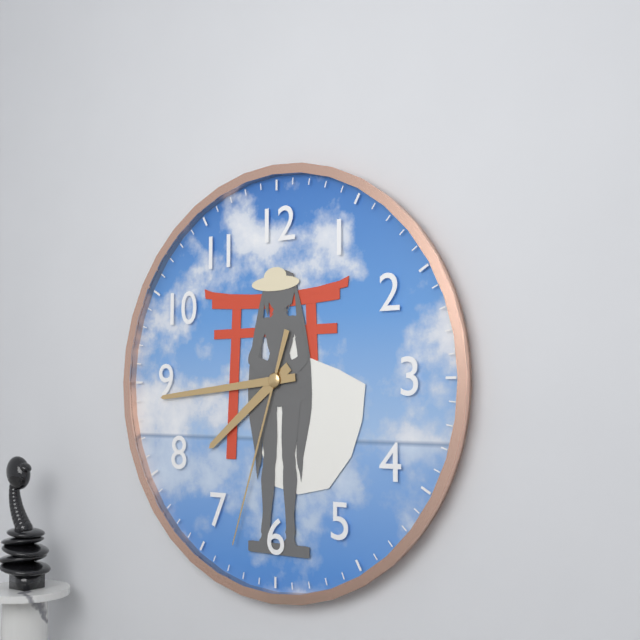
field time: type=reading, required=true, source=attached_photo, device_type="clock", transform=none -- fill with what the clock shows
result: 7:44:33
